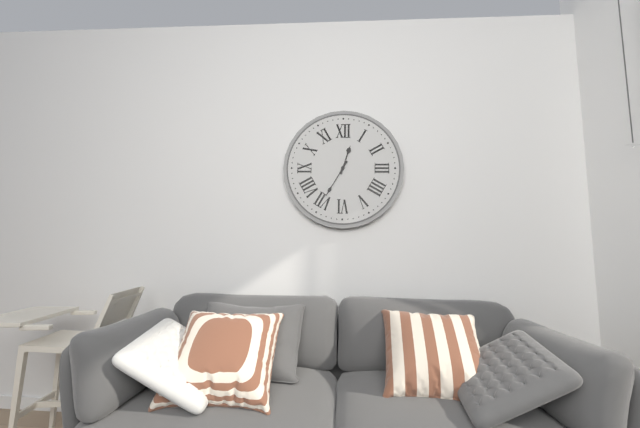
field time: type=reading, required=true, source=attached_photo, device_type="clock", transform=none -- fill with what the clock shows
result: 12:35
